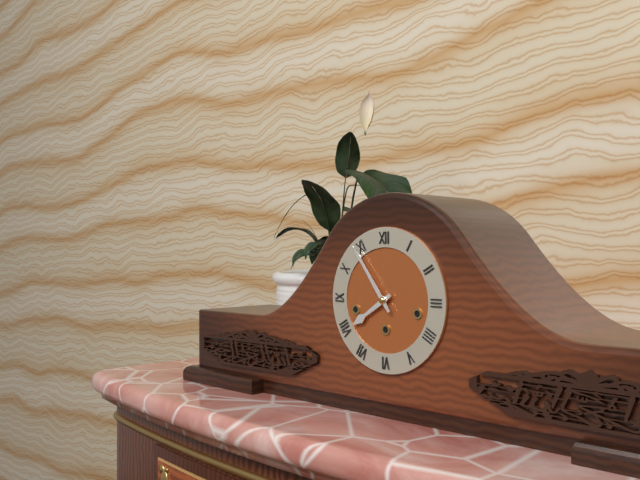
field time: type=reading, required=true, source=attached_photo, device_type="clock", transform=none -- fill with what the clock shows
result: 7:54
